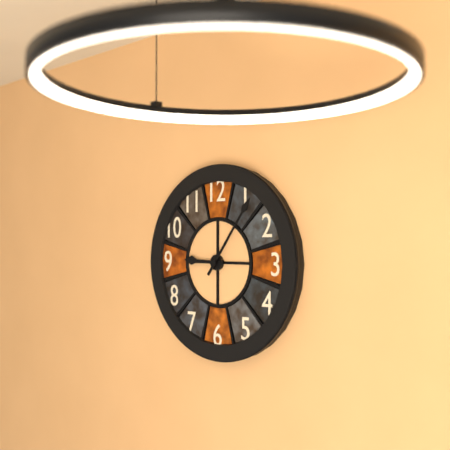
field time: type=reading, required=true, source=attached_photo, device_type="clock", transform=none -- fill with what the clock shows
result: 9:06
